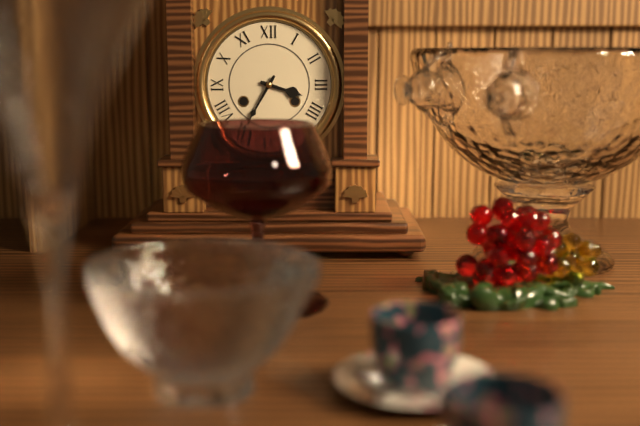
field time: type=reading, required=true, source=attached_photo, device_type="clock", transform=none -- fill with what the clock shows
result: 3:35
